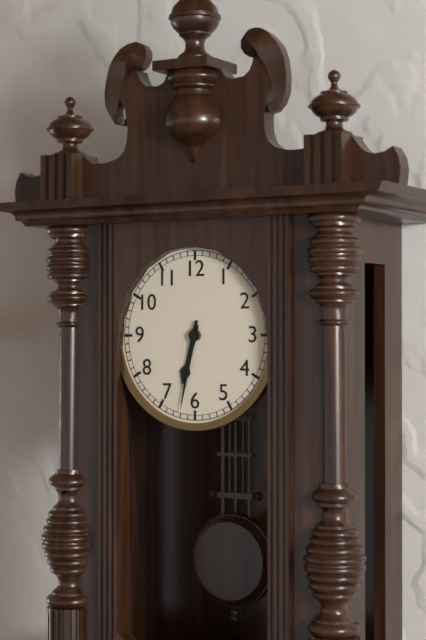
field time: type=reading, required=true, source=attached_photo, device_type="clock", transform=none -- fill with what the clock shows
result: 6:32
